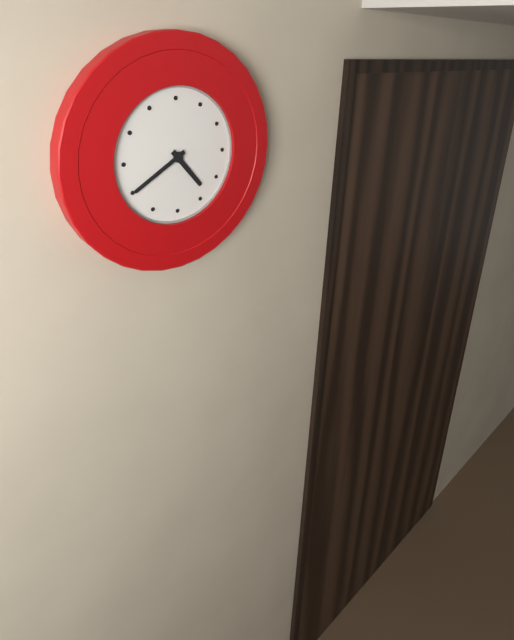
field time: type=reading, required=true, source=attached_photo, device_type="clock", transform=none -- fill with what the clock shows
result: 4:40
